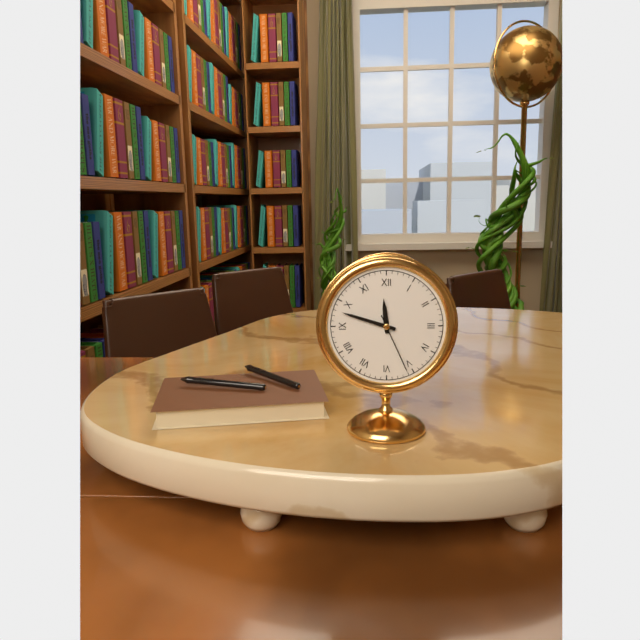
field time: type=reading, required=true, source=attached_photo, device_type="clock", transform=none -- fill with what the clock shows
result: 11:48:26
